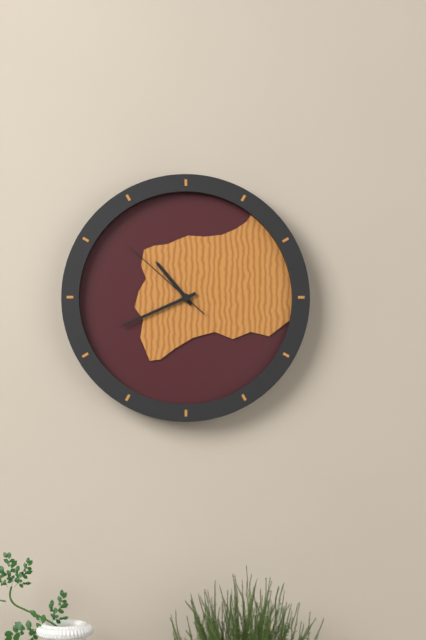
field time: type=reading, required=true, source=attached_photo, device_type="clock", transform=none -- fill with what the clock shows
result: 10:41:52
